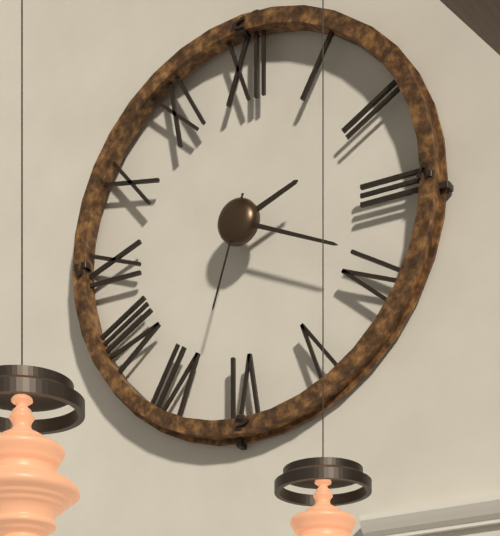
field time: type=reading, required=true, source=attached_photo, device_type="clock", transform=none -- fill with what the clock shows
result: 2:19:33
